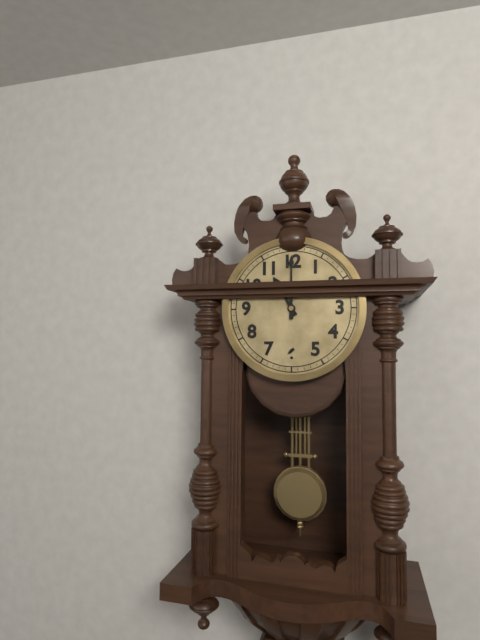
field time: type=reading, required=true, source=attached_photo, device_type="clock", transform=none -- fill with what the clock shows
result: 11:00
